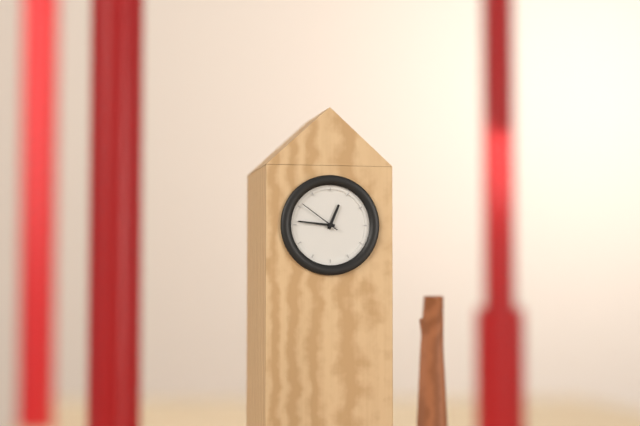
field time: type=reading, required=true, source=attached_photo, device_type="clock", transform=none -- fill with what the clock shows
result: 12:46
